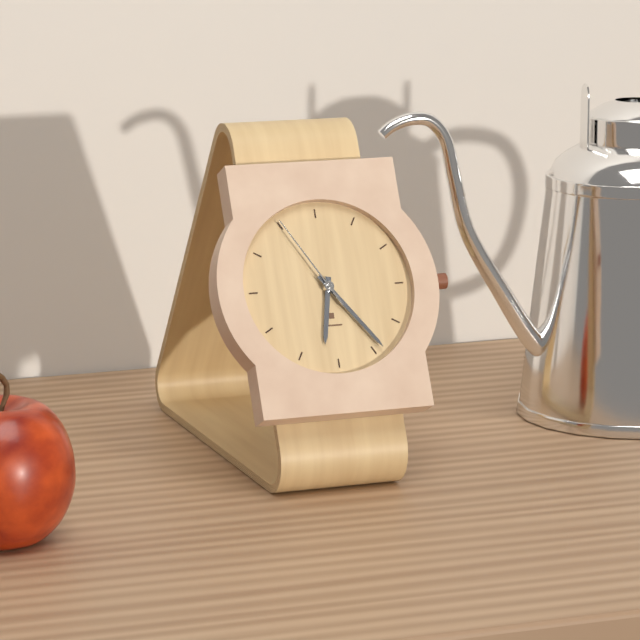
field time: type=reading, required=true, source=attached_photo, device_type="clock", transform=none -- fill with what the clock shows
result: 6:24:55
